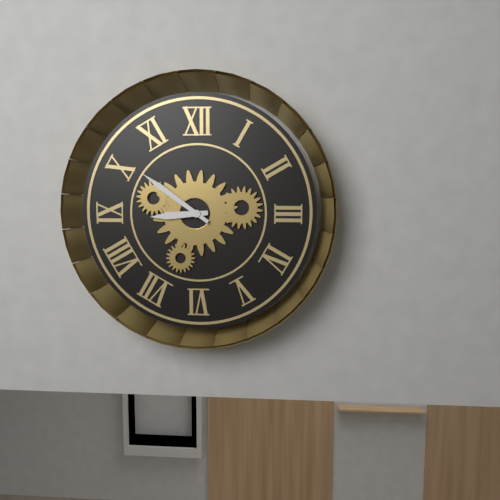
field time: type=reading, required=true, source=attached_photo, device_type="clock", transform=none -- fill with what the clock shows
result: 8:51
